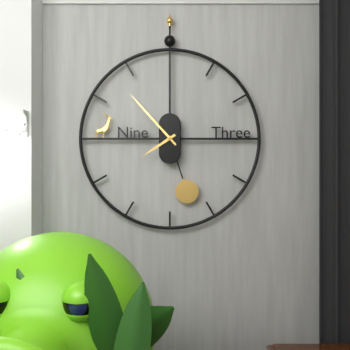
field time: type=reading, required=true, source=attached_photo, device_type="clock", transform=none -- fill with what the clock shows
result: 7:53
